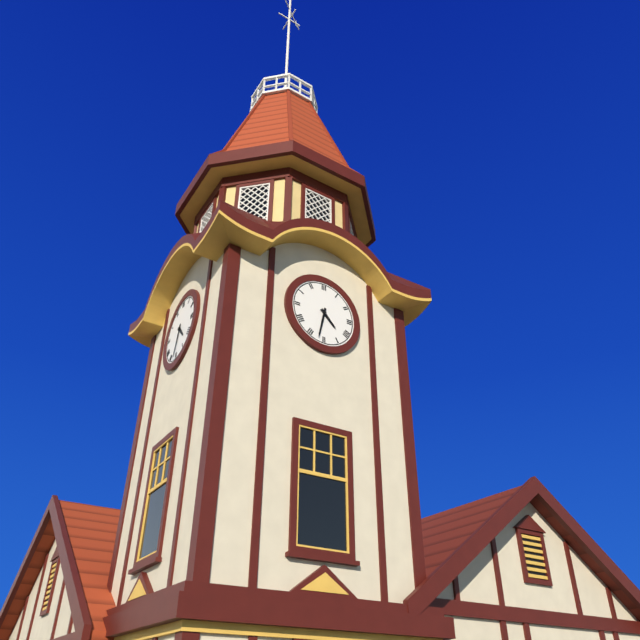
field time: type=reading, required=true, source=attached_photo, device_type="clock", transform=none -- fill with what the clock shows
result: 4:32
